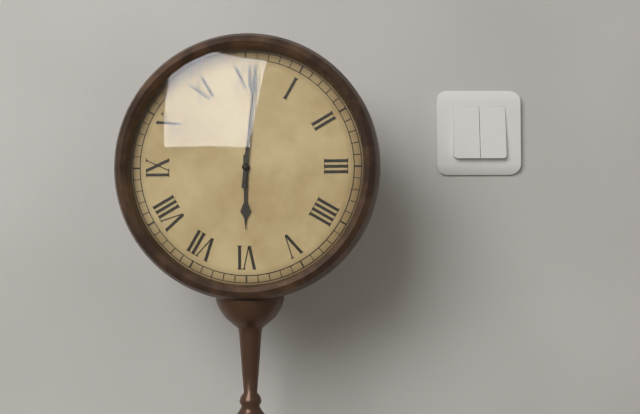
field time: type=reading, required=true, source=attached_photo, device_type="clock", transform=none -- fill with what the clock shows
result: 6:01
